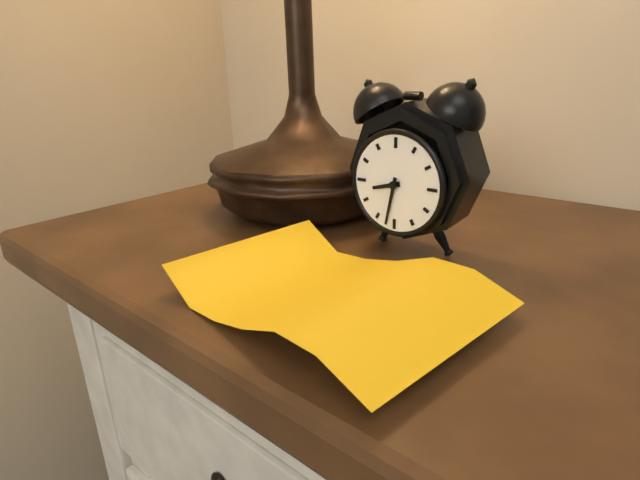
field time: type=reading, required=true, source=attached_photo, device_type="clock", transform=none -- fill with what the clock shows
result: 8:32
